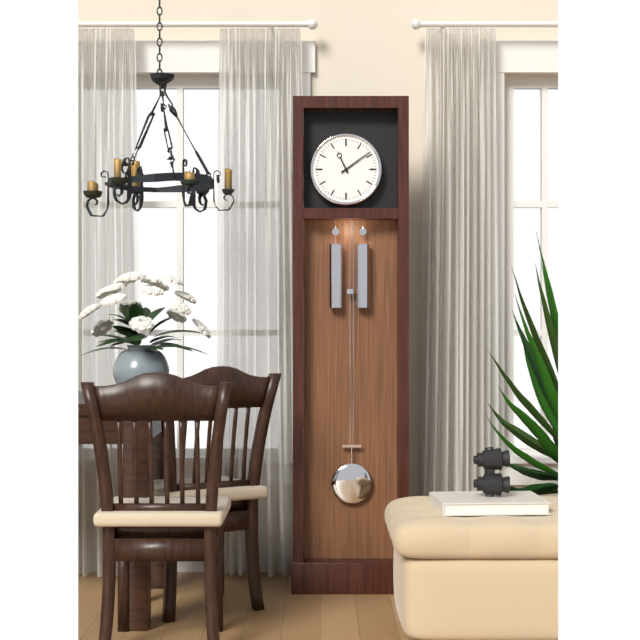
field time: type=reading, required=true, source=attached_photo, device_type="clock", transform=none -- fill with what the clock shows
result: 11:09
